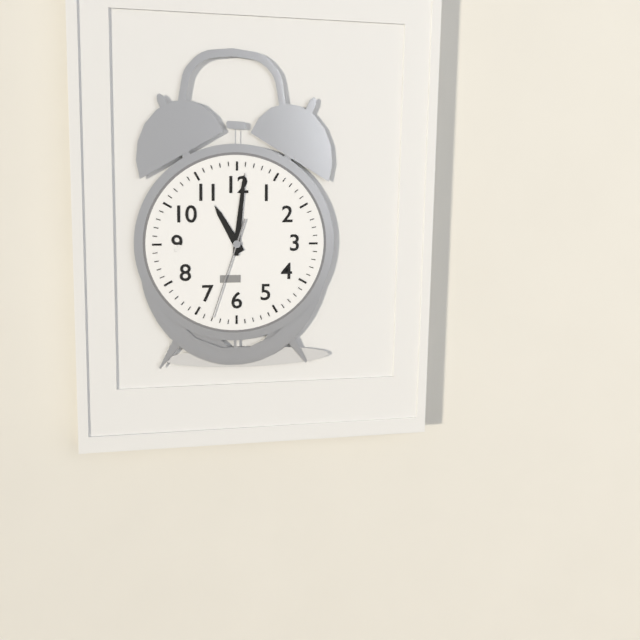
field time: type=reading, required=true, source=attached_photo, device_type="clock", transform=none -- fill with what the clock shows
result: 11:01:33
